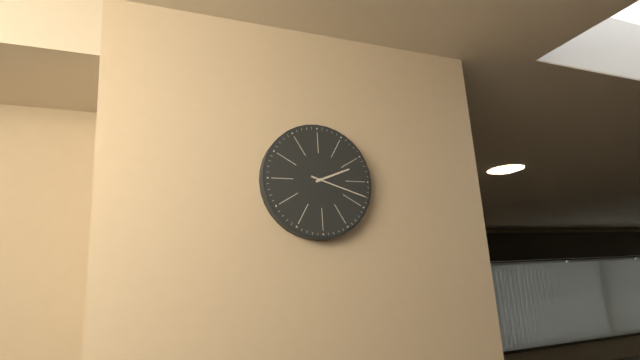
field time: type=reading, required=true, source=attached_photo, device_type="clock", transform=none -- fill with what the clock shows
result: 2:18
